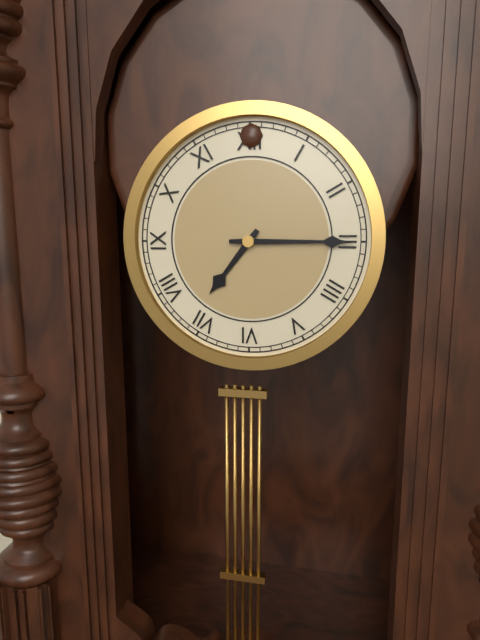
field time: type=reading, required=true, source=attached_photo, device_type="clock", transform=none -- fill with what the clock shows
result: 7:15
